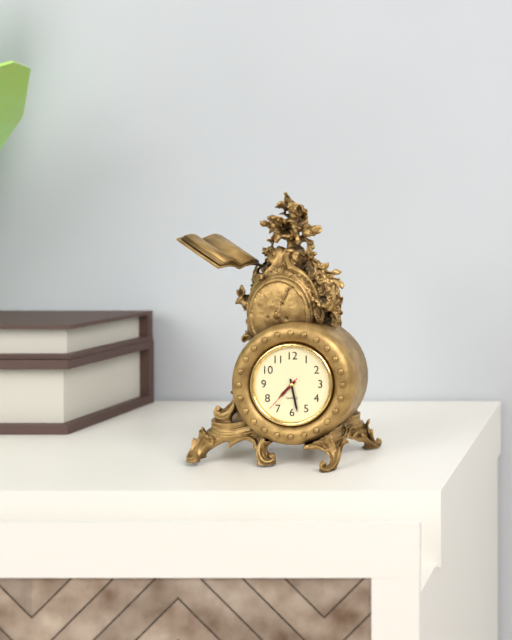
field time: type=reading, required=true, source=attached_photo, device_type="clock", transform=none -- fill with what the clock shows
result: 7:28
